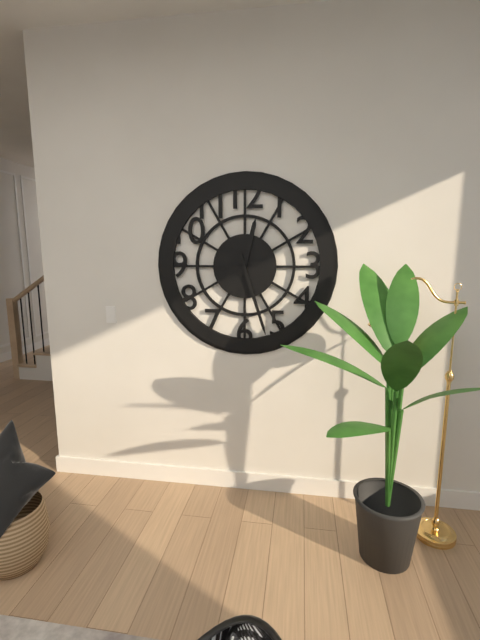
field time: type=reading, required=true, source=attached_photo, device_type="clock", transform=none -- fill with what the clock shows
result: 12:27
